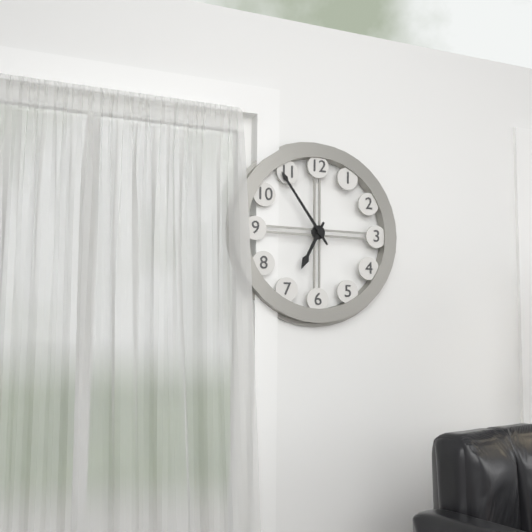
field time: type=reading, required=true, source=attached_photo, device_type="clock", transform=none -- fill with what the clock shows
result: 6:54
